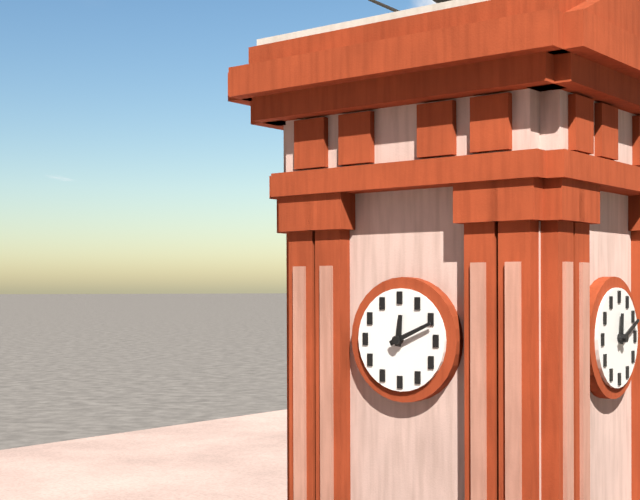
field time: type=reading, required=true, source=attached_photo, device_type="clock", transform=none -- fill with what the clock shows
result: 12:11
